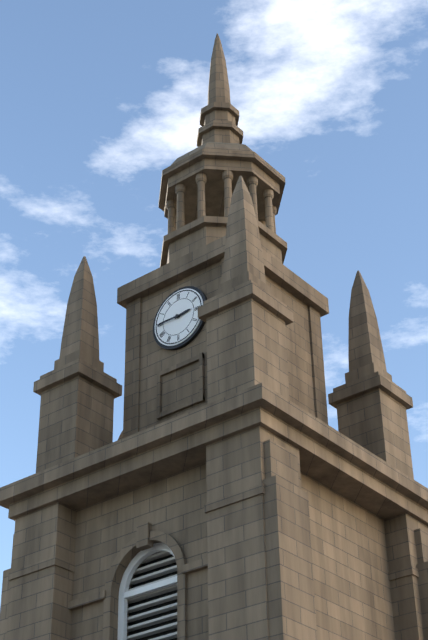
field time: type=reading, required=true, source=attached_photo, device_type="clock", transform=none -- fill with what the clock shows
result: 2:45
